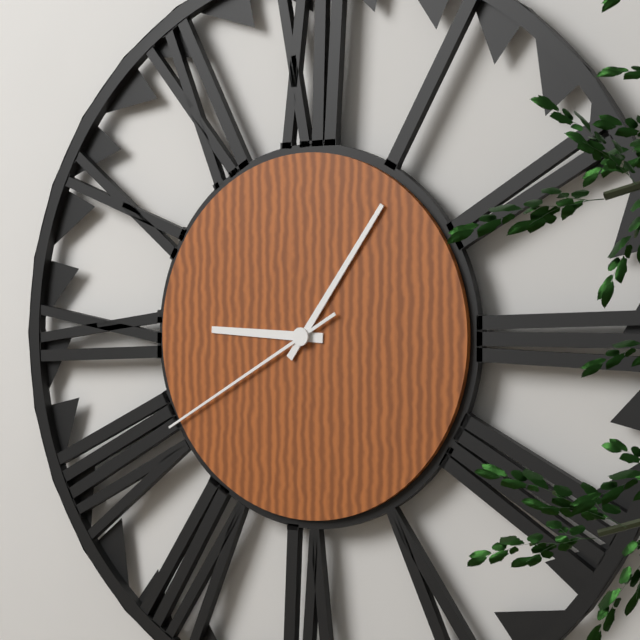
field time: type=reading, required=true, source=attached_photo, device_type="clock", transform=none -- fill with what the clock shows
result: 9:06:40
